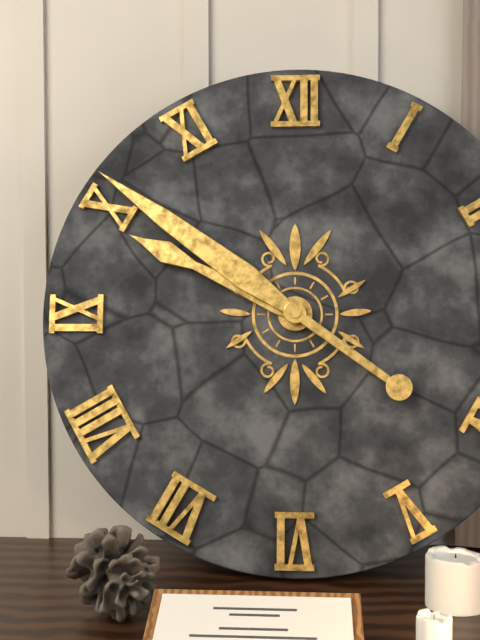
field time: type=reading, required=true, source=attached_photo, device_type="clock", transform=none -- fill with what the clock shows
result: 9:51
